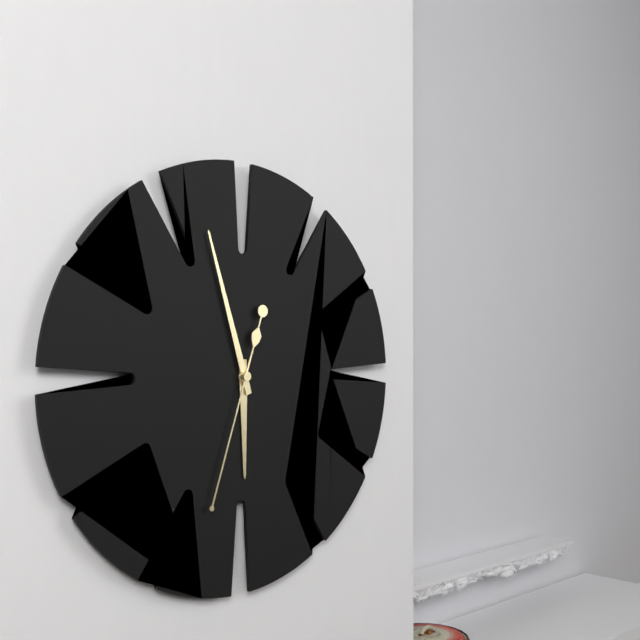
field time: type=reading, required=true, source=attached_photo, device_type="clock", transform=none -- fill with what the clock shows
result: 5:57:33
